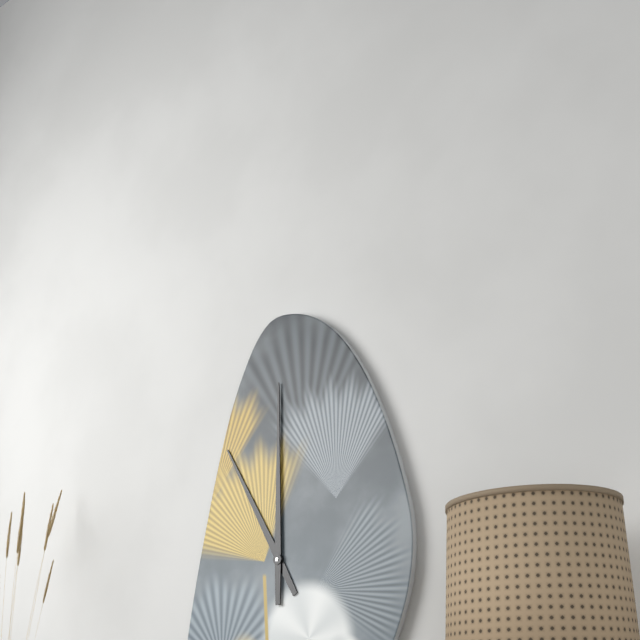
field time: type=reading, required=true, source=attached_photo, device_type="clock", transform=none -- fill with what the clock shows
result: 11:00
